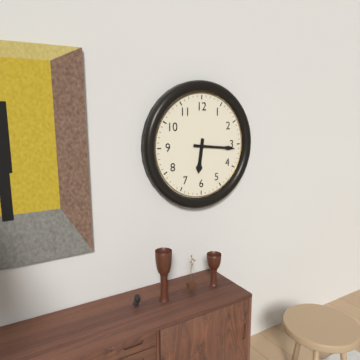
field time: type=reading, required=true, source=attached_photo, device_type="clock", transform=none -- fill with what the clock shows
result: 6:16
